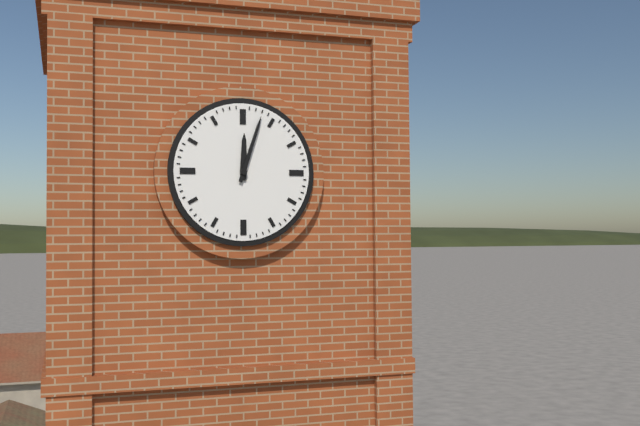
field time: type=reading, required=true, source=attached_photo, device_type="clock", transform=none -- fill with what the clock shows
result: 12:03
